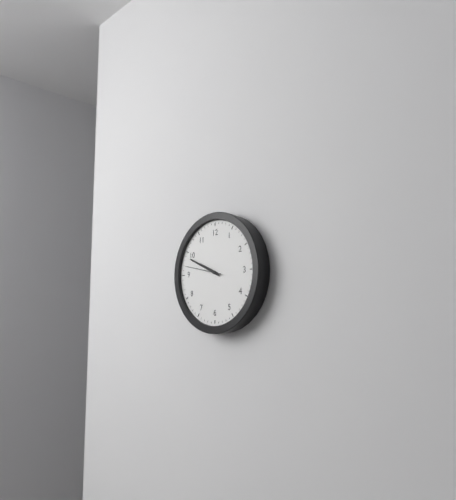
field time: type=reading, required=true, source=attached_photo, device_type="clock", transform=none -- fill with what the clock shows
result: 9:49
